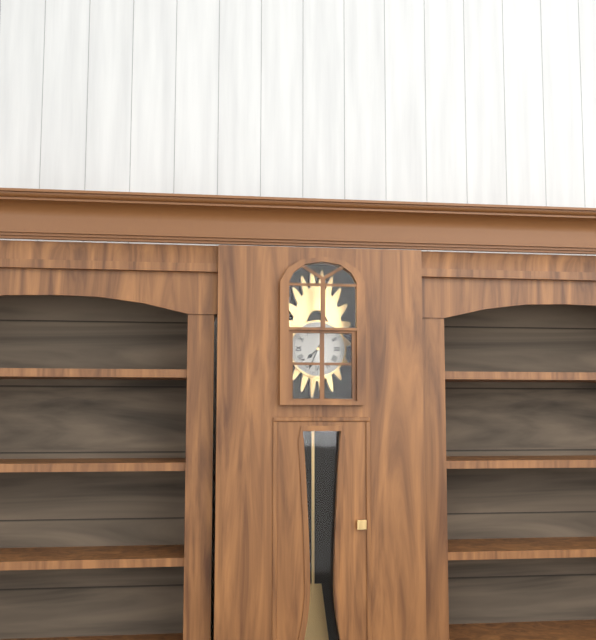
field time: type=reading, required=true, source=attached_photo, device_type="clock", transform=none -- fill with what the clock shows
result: 7:34
